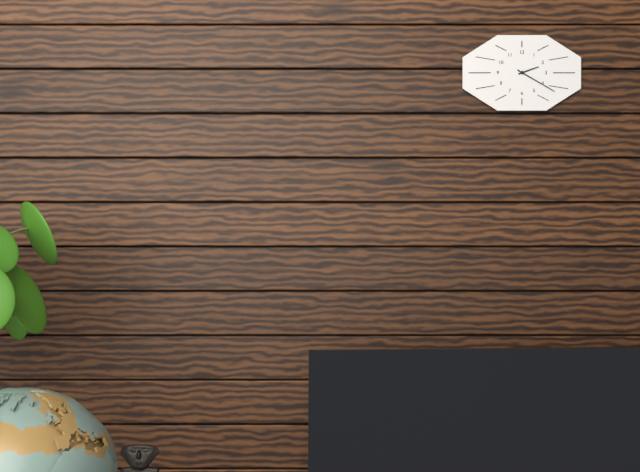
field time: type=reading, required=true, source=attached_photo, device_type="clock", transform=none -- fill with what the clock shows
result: 2:20
